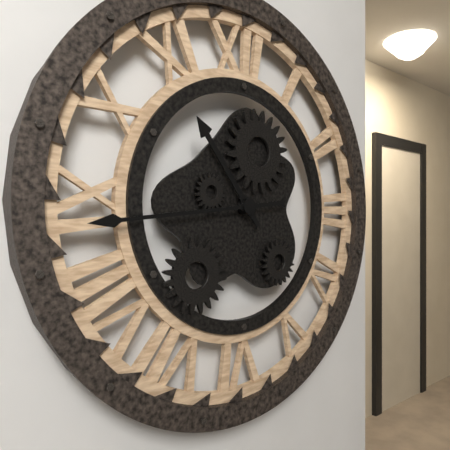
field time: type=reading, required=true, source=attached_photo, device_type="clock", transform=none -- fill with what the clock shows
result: 10:44
